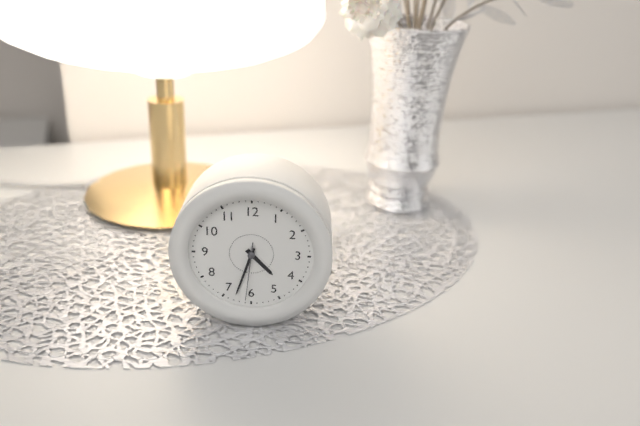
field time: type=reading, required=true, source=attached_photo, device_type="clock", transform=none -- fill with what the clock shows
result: 4:33:31
